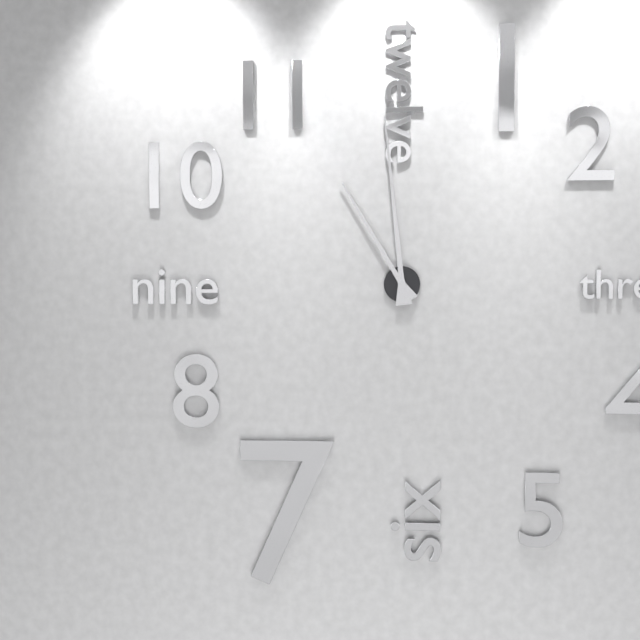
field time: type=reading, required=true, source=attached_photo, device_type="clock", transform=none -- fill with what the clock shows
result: 10:59
